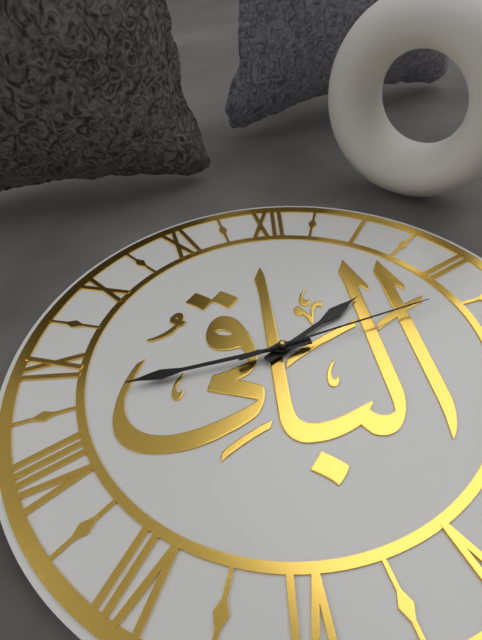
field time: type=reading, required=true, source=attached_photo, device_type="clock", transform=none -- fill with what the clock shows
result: 1:43:12
